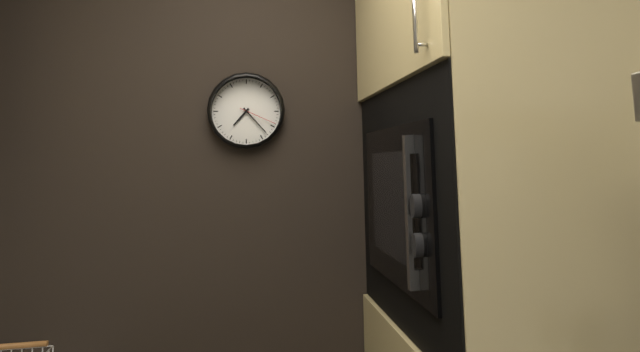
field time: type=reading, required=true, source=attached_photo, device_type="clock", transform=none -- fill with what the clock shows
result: 7:23
